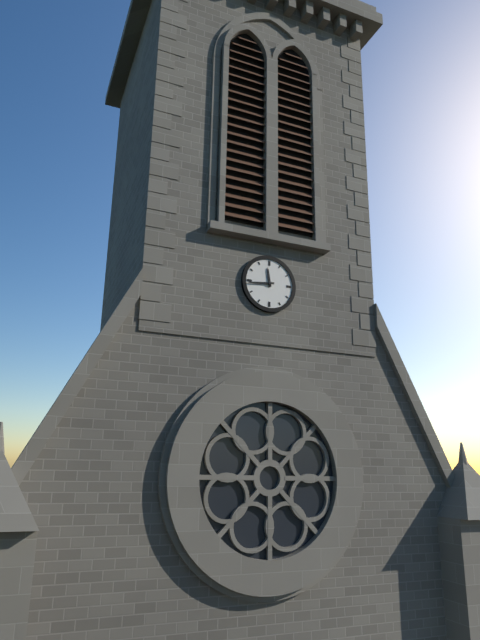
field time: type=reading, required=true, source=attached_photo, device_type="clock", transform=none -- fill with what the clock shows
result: 11:44
